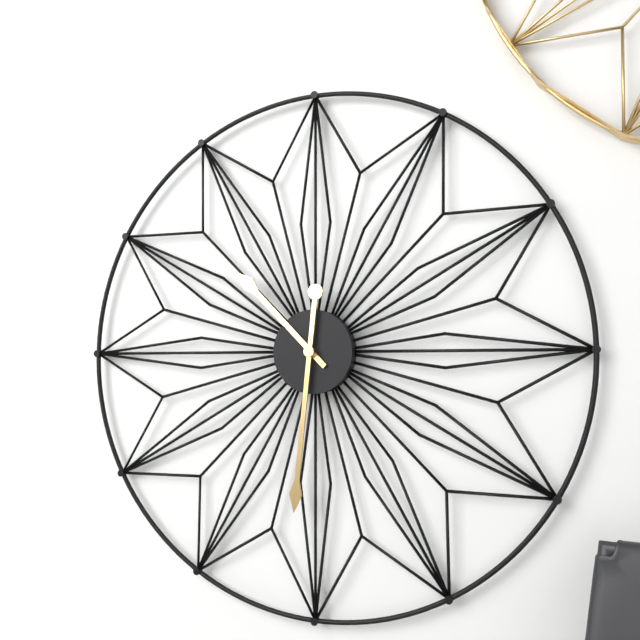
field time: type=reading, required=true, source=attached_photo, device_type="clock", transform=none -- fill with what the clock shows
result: 10:31
